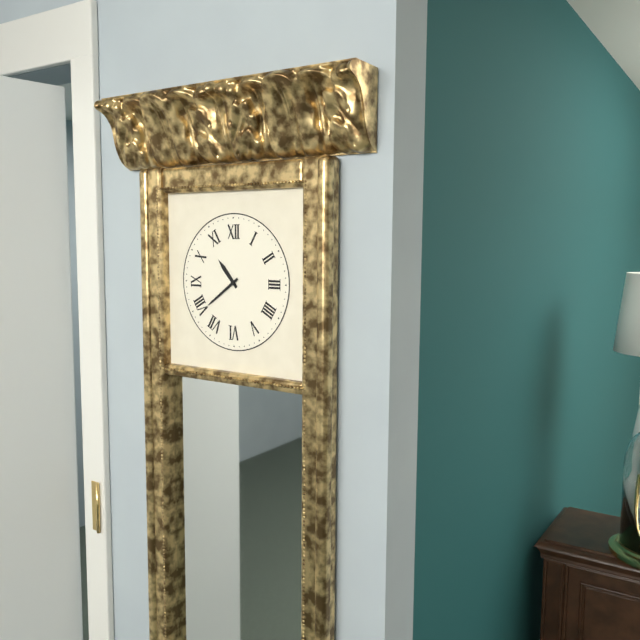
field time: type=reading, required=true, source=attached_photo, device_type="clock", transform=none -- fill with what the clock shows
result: 10:39
